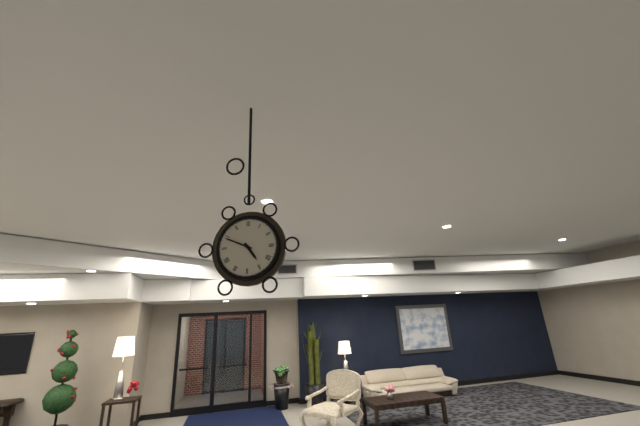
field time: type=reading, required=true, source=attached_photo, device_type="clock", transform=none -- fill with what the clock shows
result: 4:49
